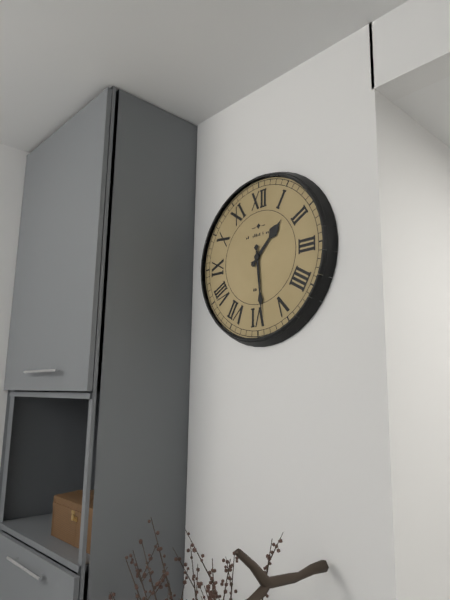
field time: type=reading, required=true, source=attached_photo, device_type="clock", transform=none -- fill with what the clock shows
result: 1:29
